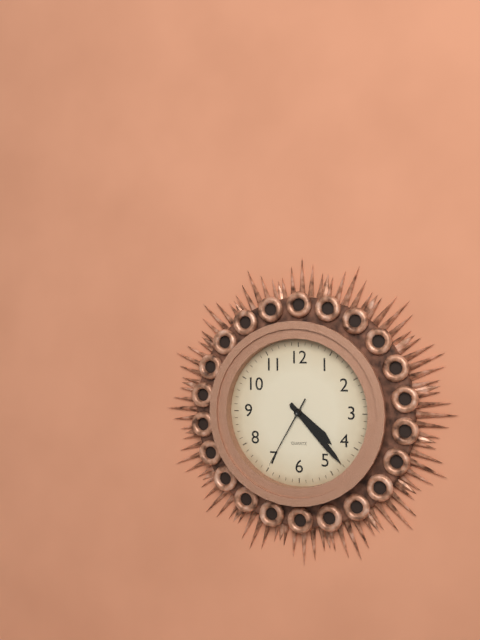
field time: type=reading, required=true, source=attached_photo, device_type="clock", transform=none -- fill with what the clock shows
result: 4:23:35
